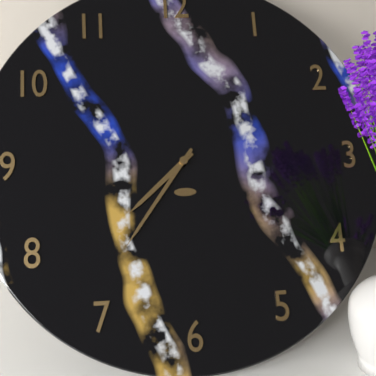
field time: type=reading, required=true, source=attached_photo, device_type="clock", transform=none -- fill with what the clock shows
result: 7:36
